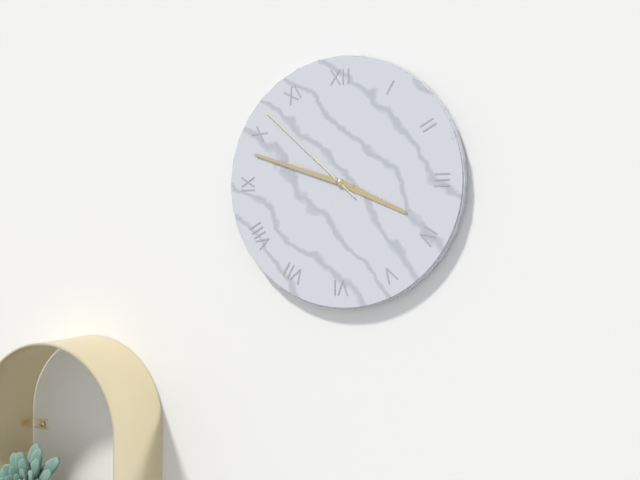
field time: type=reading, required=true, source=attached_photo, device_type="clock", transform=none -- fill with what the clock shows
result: 3:48:52
